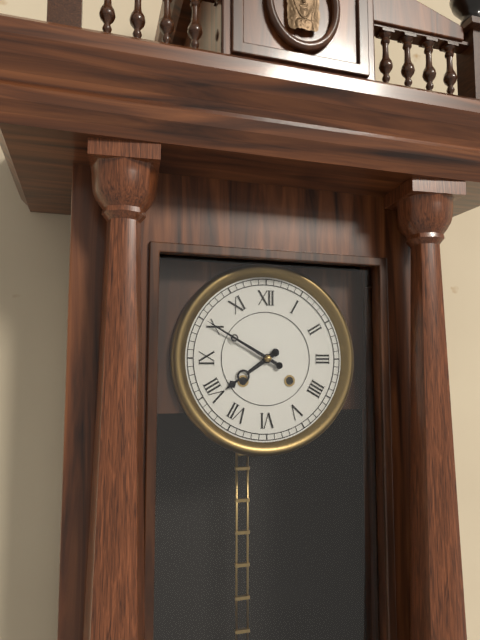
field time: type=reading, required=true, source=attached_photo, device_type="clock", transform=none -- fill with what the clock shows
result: 7:50
